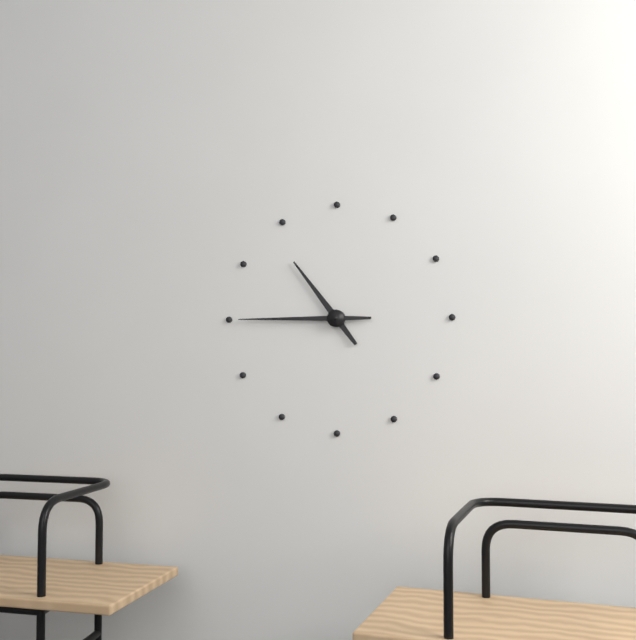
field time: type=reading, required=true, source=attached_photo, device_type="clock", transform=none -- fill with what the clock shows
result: 10:45
